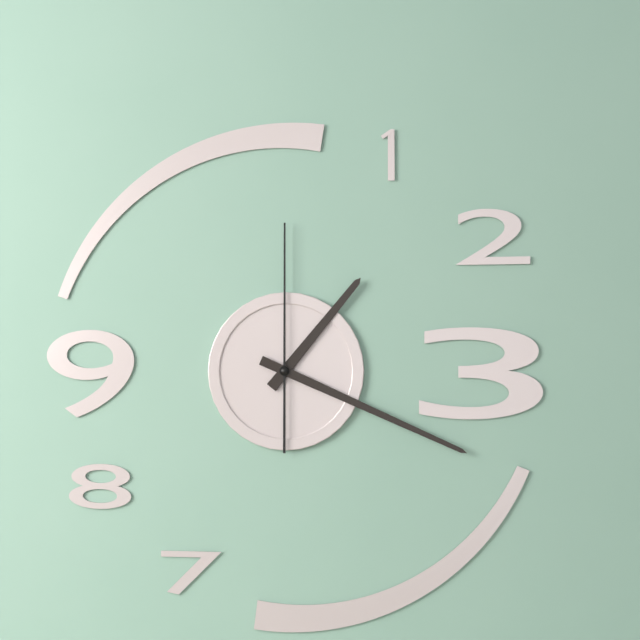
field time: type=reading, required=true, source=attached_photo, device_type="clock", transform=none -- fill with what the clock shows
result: 1:19:00
